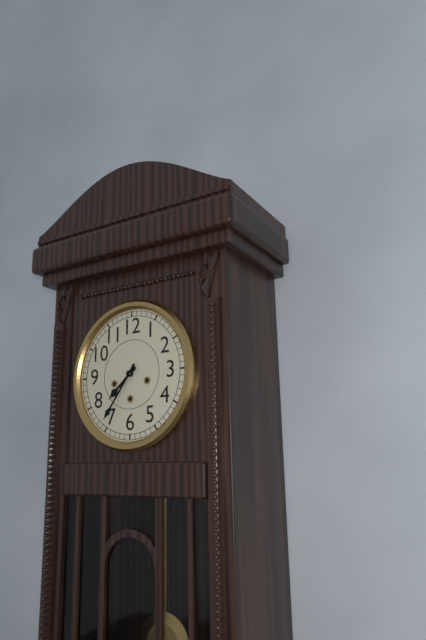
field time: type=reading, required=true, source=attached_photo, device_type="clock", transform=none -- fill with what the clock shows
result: 7:36
